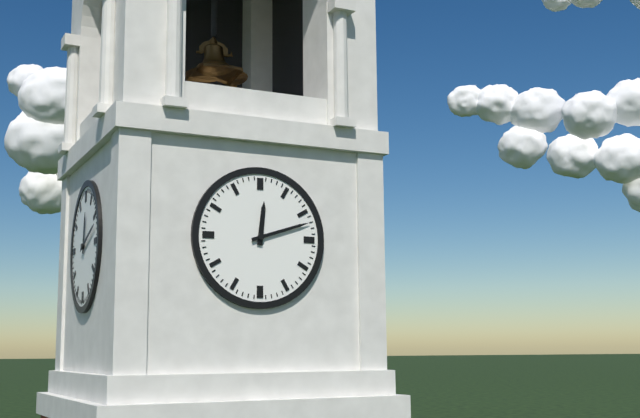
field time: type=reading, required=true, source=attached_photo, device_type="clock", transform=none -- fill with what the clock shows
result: 12:12
